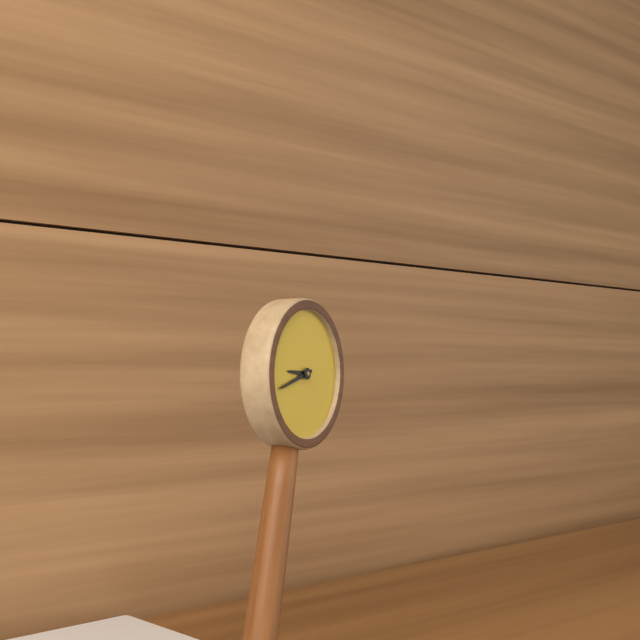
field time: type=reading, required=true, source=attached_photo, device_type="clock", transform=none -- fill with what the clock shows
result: 8:40
